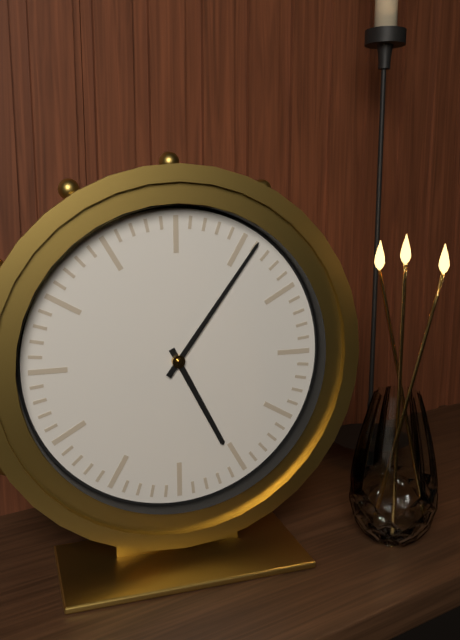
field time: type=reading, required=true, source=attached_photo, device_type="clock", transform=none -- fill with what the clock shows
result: 5:06
